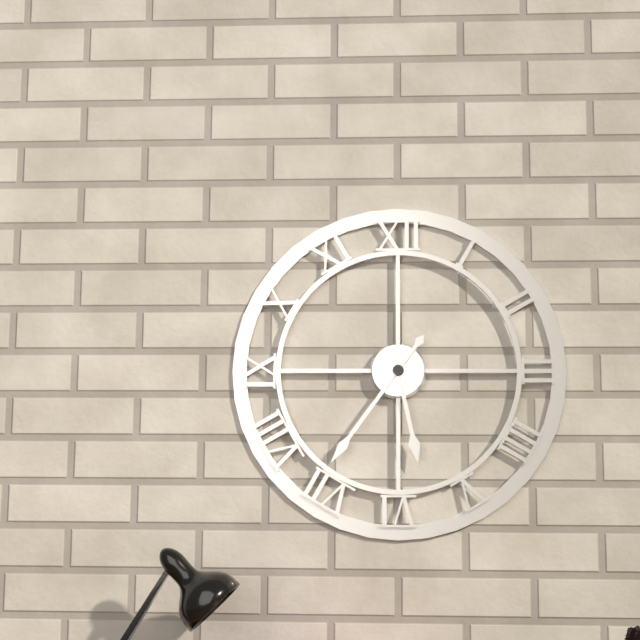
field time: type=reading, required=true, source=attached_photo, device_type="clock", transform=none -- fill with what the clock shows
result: 5:36
